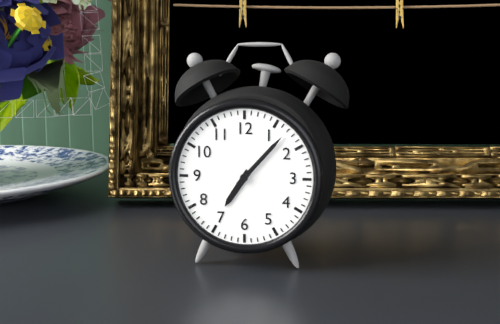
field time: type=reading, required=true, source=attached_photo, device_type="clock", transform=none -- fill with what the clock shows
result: 7:07
